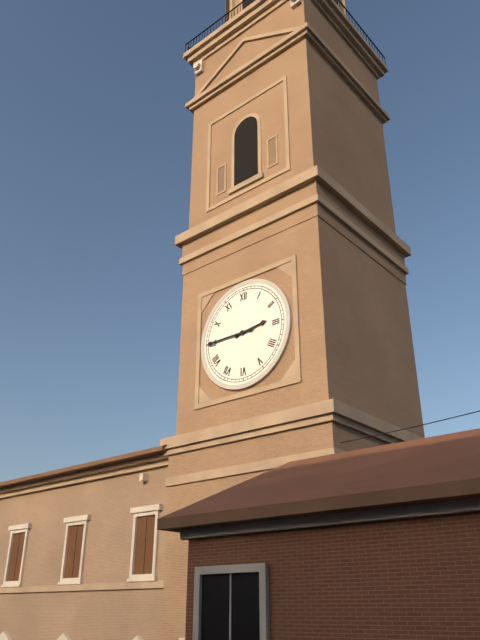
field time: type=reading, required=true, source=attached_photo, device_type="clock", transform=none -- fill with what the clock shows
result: 2:45
